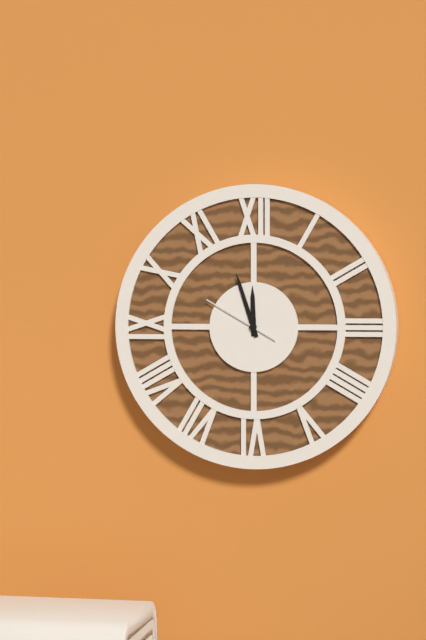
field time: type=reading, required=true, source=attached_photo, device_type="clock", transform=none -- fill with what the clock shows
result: 11:57:50
